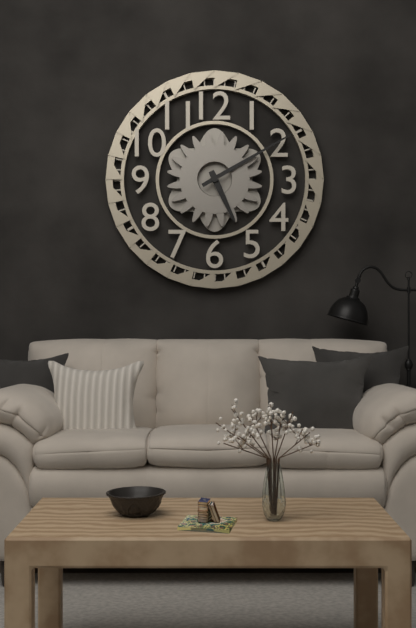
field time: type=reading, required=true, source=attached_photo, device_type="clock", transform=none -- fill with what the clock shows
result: 5:10
